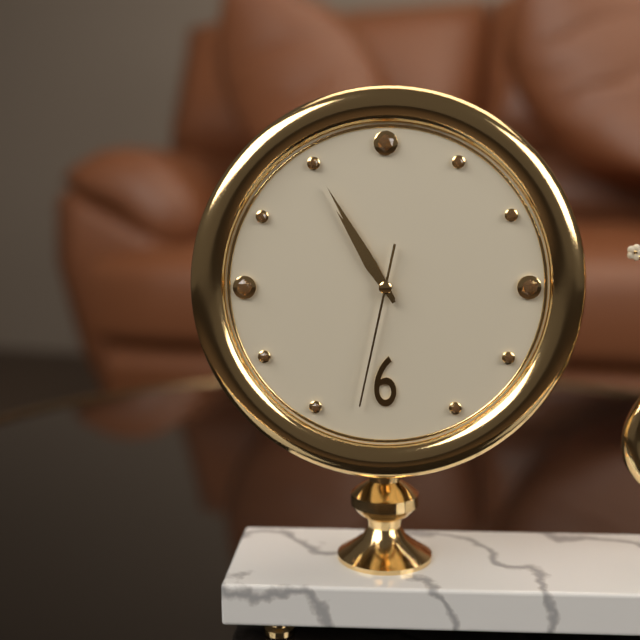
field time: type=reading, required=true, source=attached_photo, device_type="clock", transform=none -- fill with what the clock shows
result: 10:55:32
